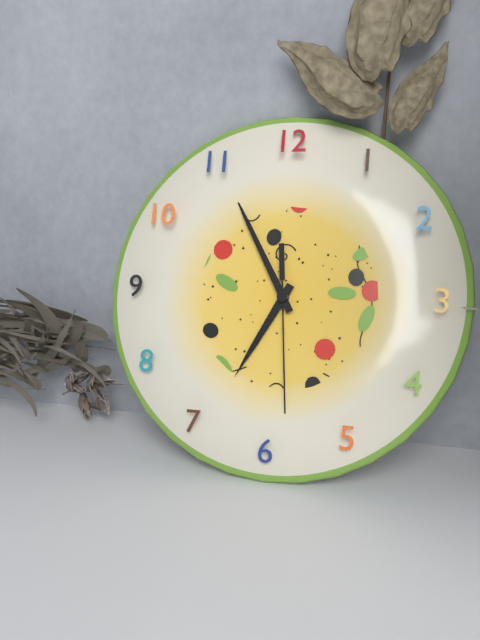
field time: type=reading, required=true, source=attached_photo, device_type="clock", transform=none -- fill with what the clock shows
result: 6:55:29
